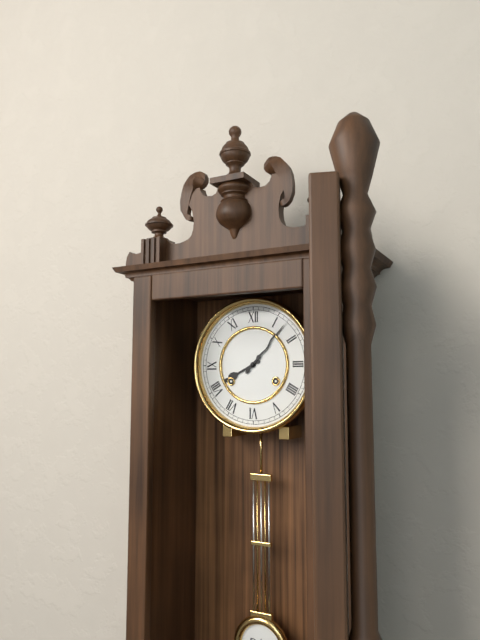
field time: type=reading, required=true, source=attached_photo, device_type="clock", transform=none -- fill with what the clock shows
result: 8:07
